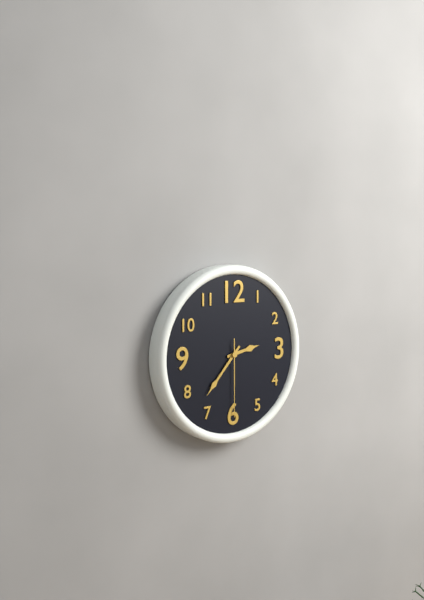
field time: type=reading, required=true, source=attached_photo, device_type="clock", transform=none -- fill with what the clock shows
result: 2:37:30
